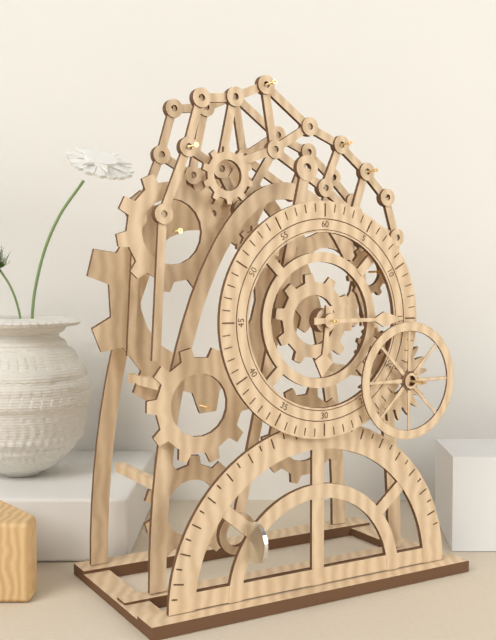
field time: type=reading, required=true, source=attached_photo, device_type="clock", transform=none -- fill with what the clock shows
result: 6:15
